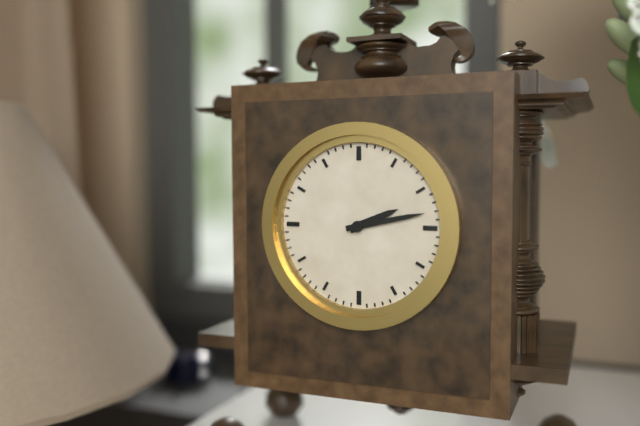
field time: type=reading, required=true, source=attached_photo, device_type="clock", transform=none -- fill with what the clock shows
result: 2:13
